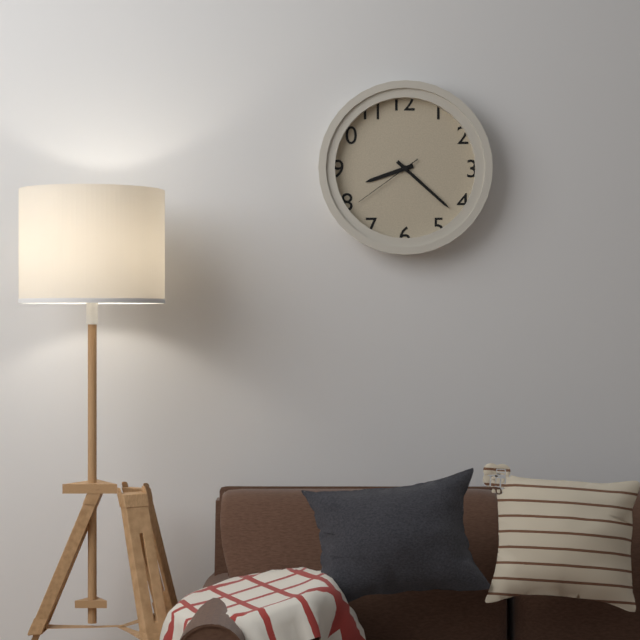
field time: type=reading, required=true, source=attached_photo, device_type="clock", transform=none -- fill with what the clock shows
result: 8:22:39
